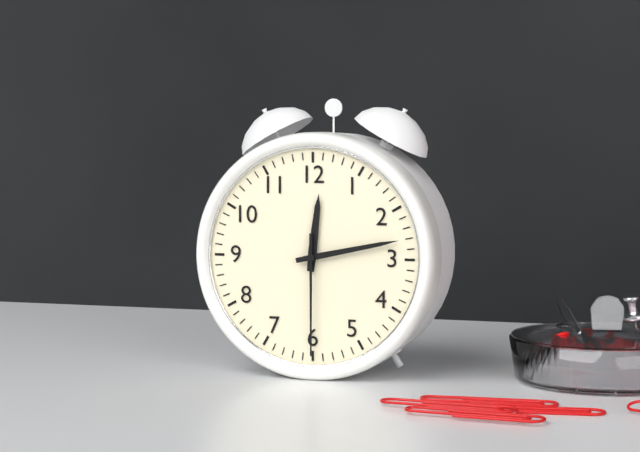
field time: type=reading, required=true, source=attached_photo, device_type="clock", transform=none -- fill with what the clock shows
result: 12:13:30
